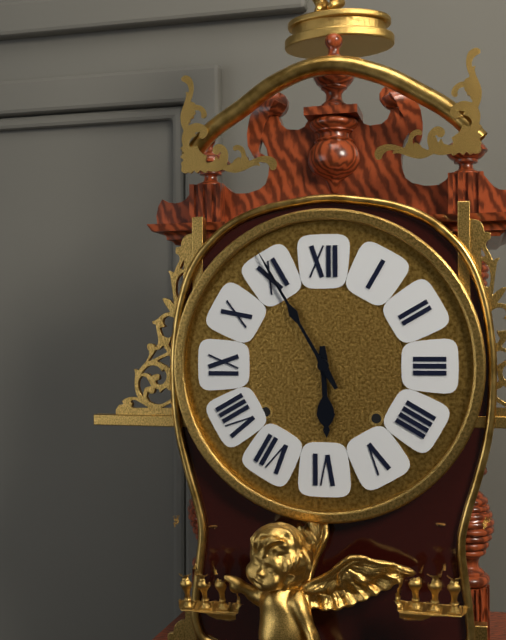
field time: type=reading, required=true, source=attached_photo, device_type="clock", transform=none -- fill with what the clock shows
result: 5:55
